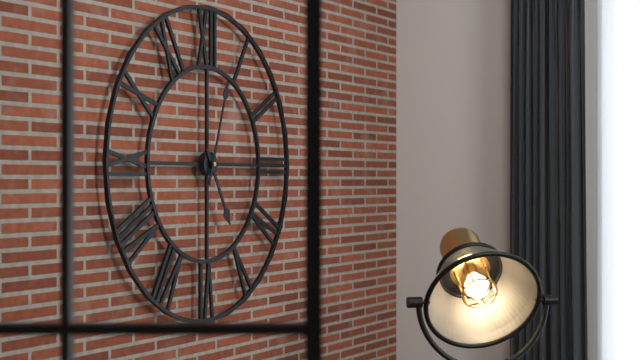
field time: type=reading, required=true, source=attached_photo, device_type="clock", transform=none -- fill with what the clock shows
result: 5:03
